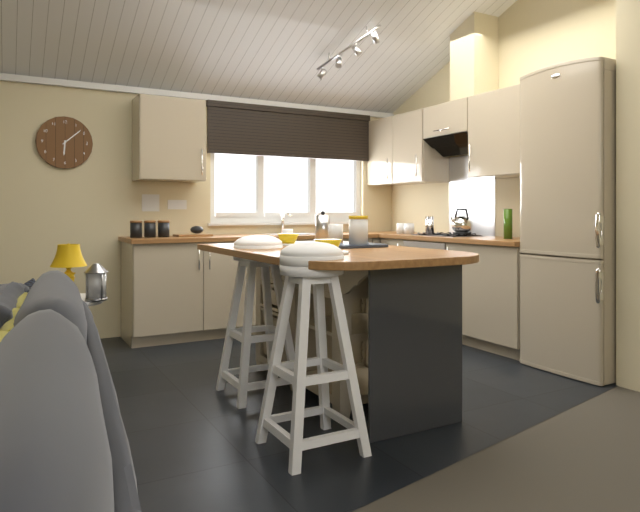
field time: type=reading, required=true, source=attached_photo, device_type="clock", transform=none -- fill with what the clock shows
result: 6:08
